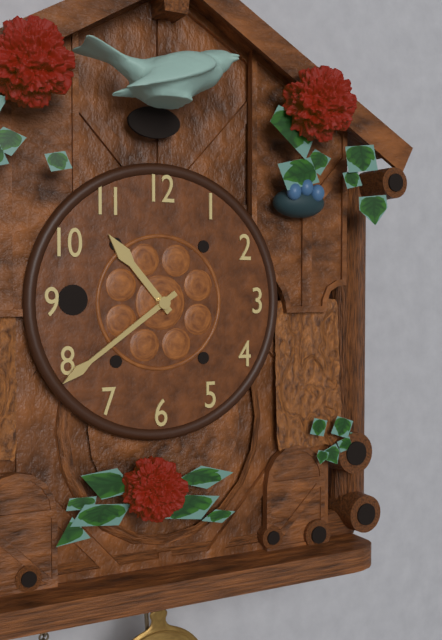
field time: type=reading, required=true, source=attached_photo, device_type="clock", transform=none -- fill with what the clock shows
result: 10:39
